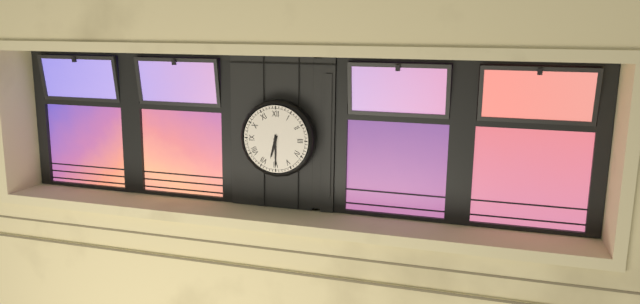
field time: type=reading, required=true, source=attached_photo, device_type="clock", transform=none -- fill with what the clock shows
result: 6:30
